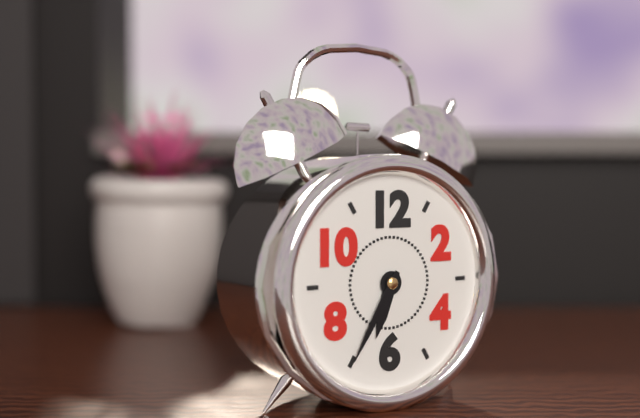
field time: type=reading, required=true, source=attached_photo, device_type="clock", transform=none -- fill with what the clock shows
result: 6:35
